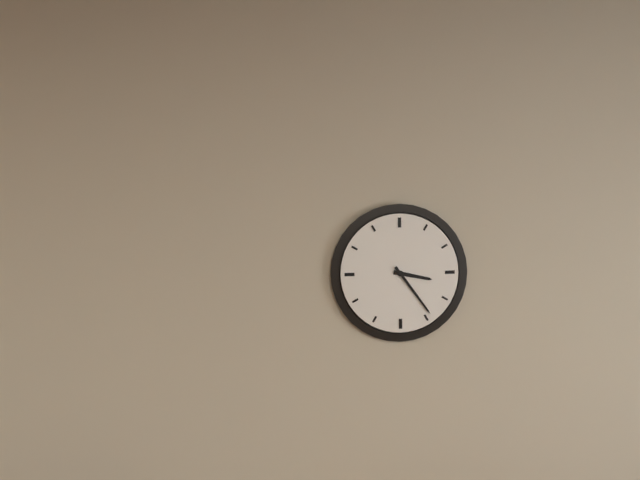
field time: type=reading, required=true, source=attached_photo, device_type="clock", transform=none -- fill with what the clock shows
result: 3:24
